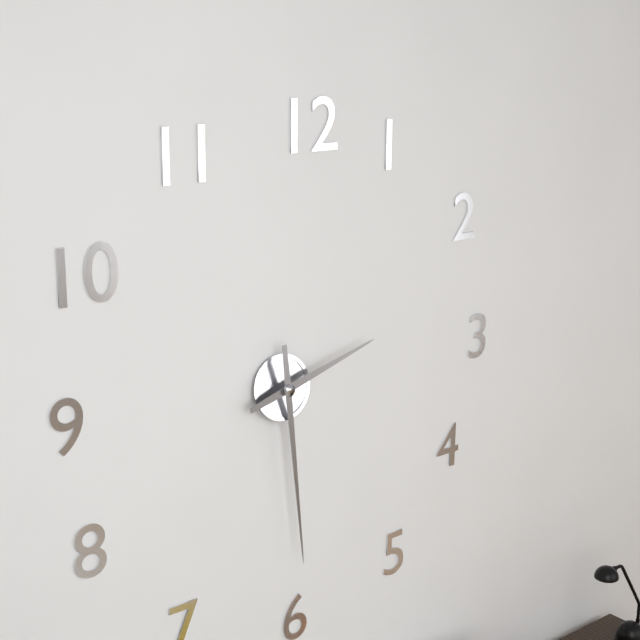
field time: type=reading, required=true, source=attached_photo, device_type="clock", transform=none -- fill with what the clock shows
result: 2:29
